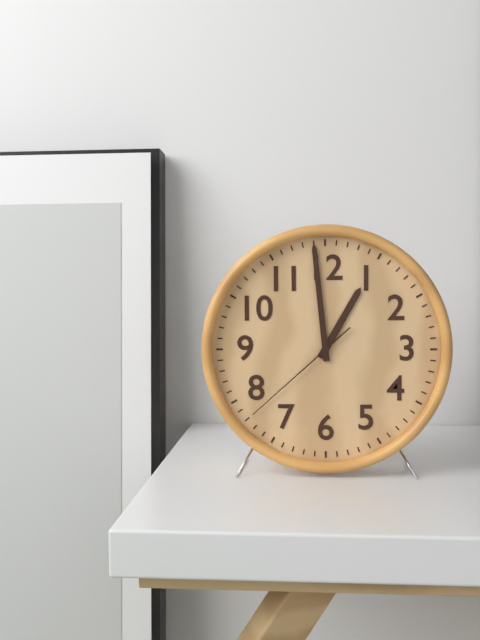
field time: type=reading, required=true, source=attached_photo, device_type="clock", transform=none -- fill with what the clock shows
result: 12:59:38
